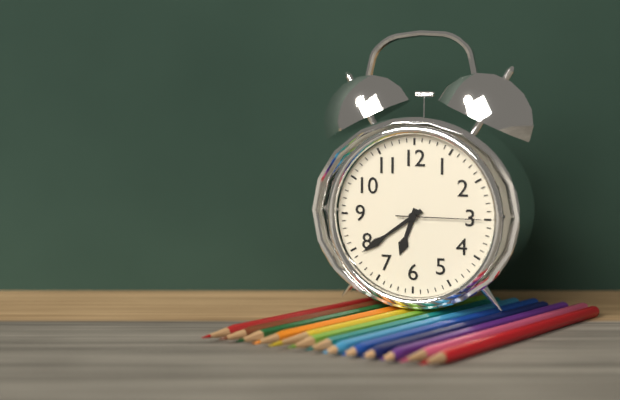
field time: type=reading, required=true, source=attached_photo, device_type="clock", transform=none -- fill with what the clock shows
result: 6:39:15
